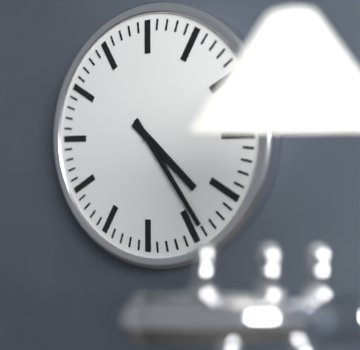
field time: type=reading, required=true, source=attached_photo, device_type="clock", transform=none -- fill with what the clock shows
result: 4:24
